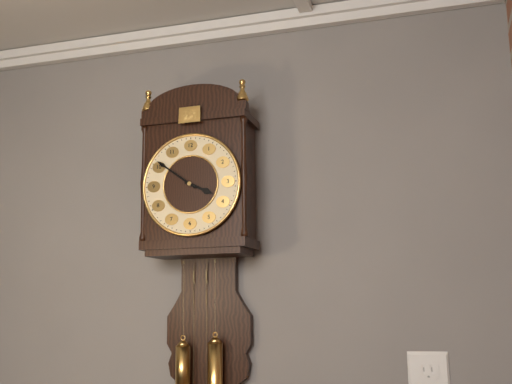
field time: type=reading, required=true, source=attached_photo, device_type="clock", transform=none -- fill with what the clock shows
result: 3:51
